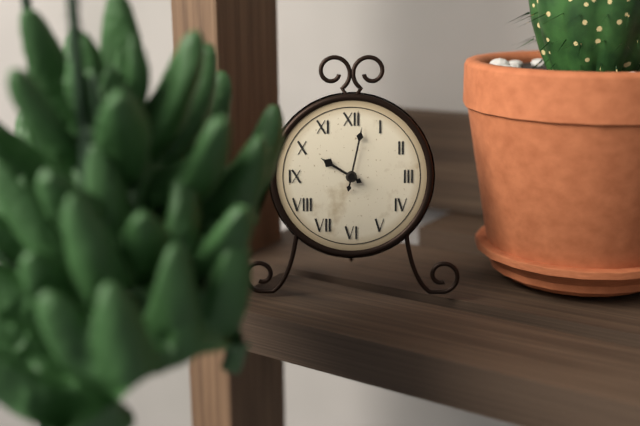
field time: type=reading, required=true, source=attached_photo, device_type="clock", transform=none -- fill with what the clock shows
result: 10:02
